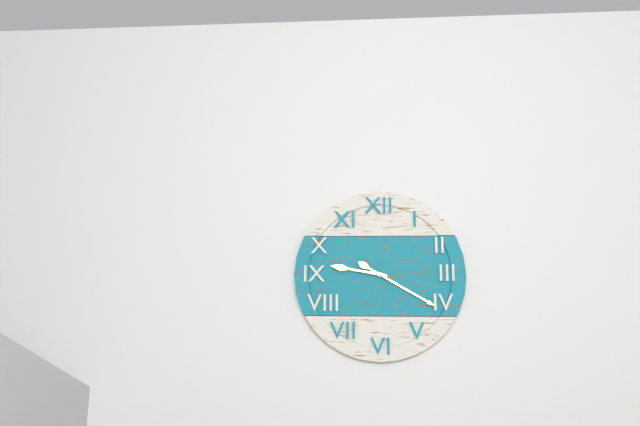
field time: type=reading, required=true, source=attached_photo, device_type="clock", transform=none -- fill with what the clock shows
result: 9:20
